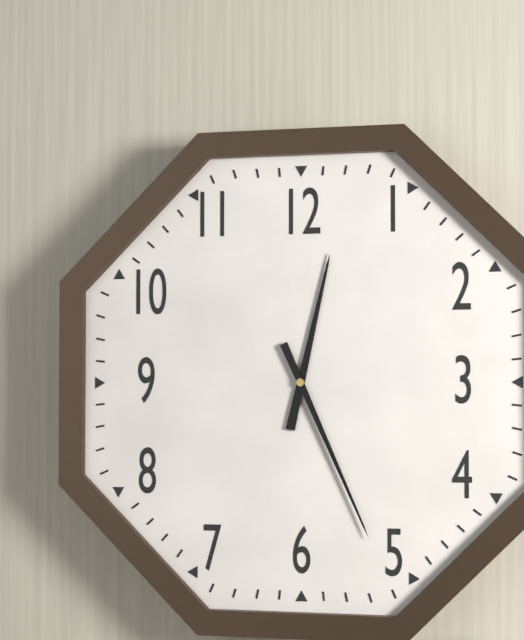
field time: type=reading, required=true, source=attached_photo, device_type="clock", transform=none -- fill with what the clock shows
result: 12:26
